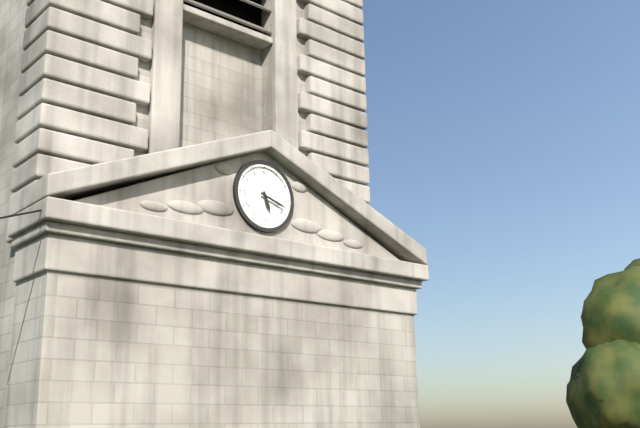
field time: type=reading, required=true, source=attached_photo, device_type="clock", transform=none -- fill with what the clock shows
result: 5:18
